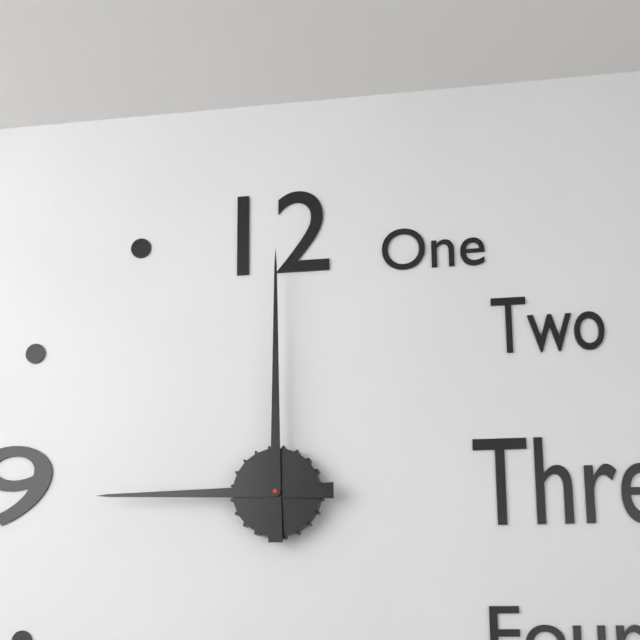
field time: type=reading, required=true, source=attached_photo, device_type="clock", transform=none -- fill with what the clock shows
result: 9:00
